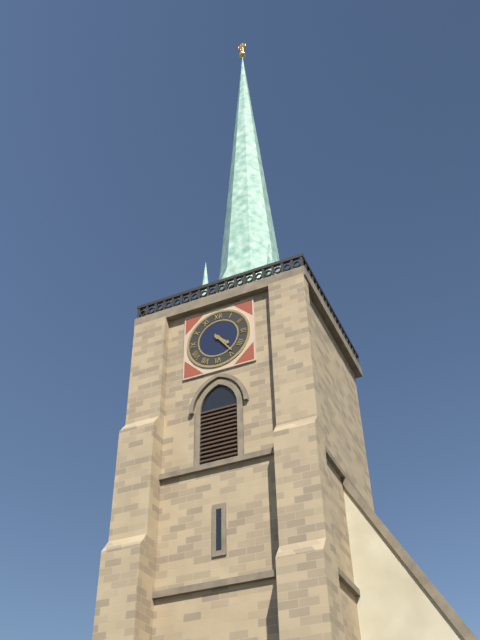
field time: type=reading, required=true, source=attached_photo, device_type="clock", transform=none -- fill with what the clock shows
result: 4:24
